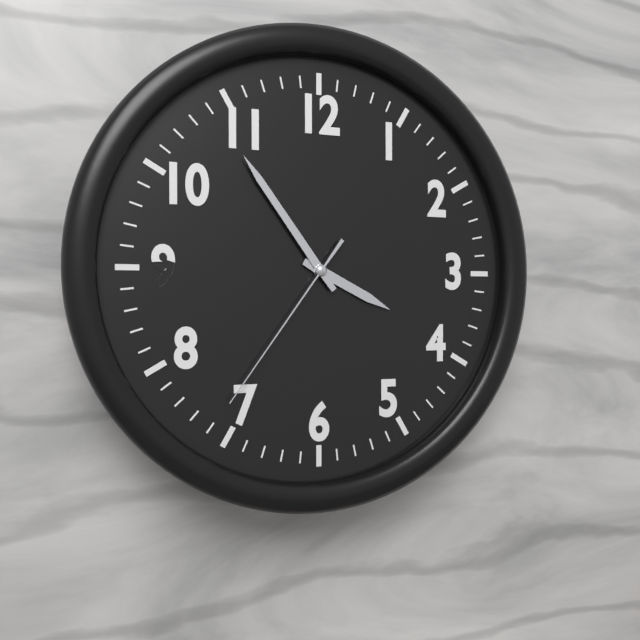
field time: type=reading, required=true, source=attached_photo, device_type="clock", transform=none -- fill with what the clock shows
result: 3:54:36
